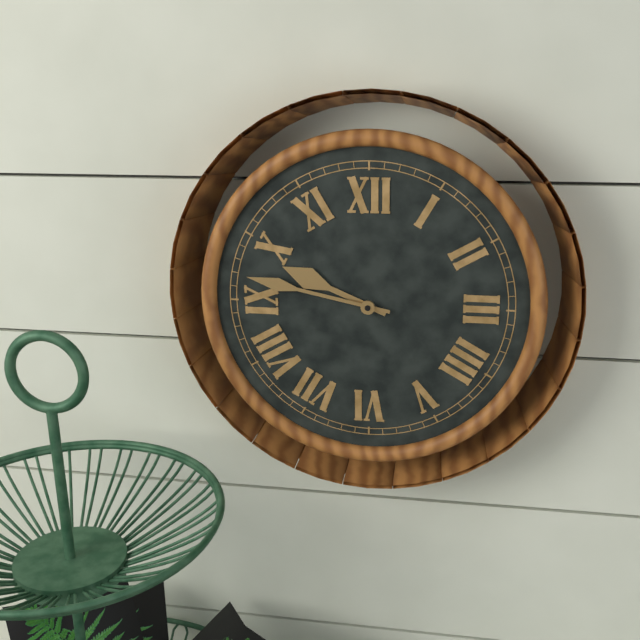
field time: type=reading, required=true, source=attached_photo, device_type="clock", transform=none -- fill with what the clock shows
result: 9:47
